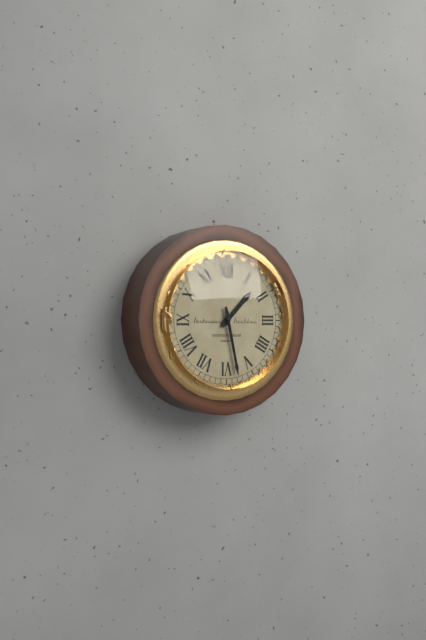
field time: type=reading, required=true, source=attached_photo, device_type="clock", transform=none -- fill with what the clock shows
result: 1:28
